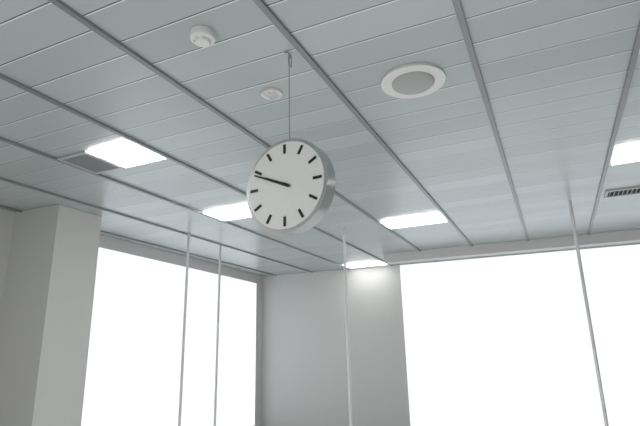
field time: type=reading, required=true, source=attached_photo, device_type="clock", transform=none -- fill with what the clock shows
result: 9:49
